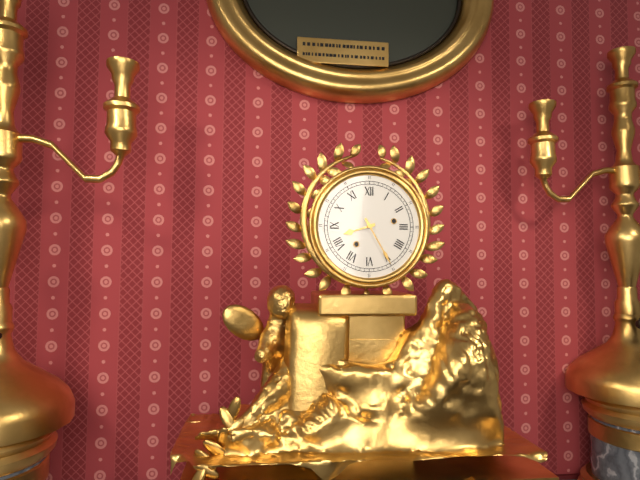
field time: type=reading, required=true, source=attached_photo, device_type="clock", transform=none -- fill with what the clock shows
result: 8:25
